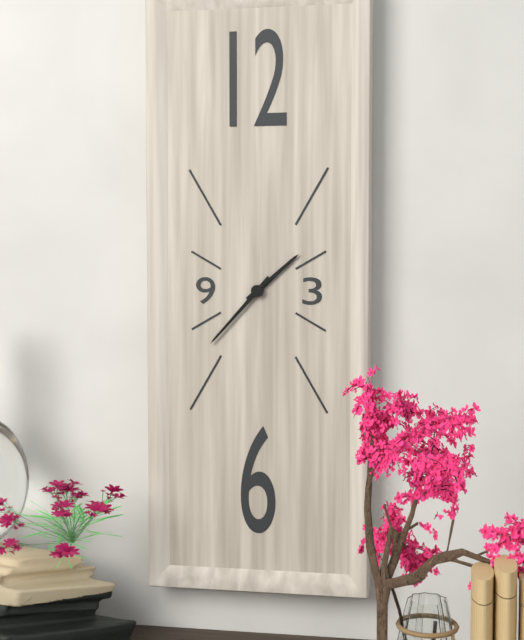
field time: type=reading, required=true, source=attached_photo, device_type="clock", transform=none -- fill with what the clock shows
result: 1:37
